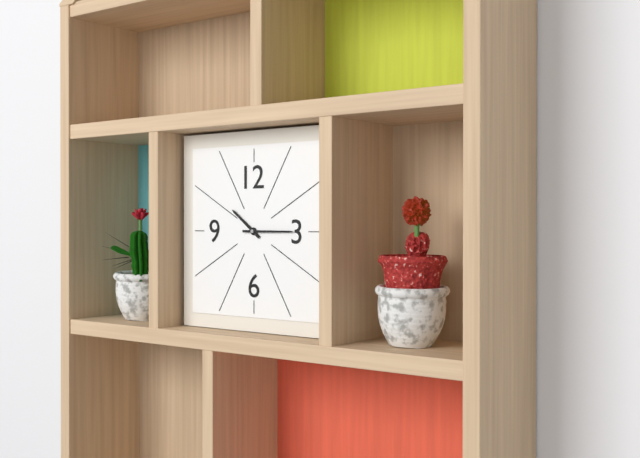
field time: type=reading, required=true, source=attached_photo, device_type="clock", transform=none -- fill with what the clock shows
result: 10:15
